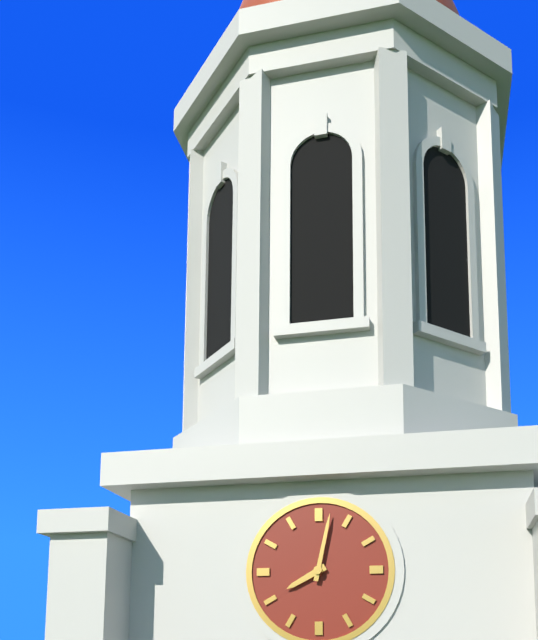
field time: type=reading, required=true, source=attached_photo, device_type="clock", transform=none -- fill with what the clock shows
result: 8:02
